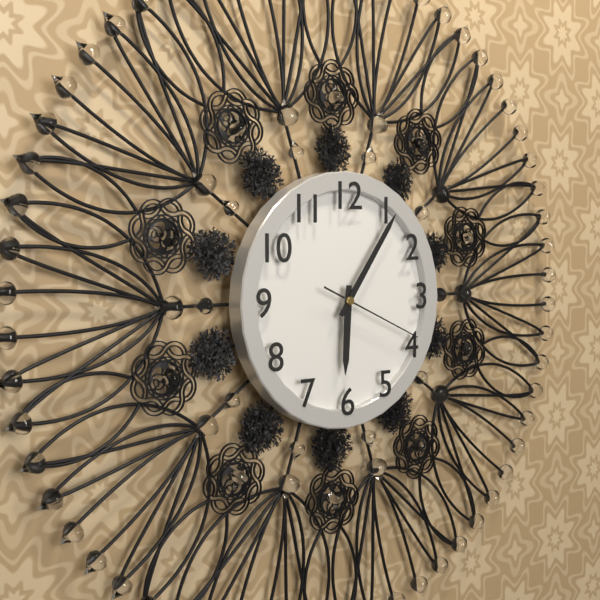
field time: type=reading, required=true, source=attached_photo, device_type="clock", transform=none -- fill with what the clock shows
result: 6:06:19
